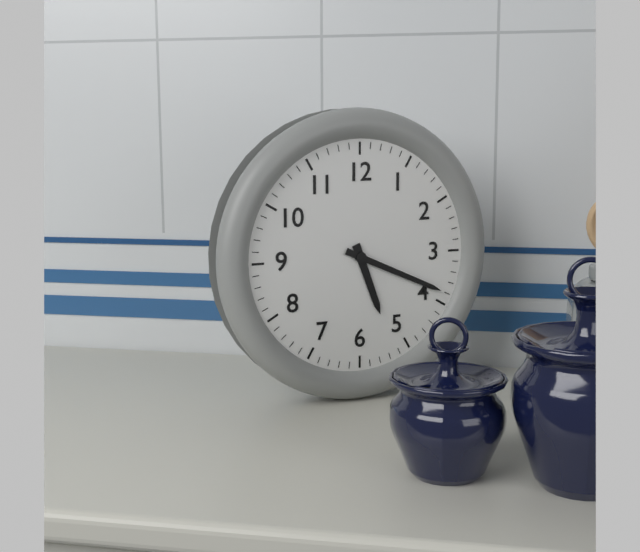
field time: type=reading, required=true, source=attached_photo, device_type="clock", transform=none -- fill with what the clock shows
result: 5:19
